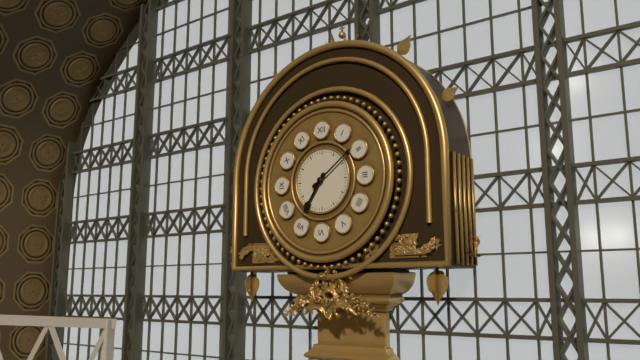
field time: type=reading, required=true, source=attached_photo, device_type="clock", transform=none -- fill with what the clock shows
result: 7:09
